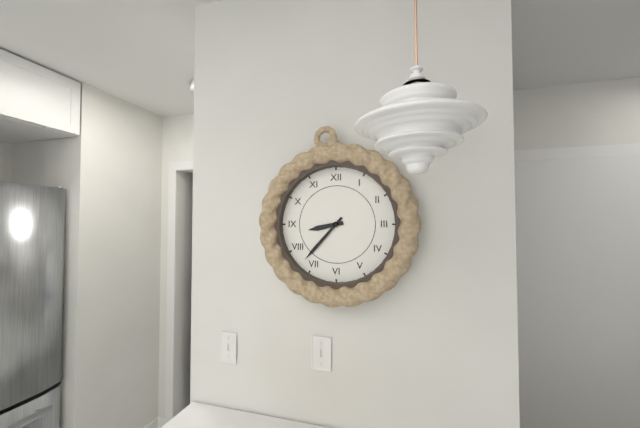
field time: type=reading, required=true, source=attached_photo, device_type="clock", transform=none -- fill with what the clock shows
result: 8:37
